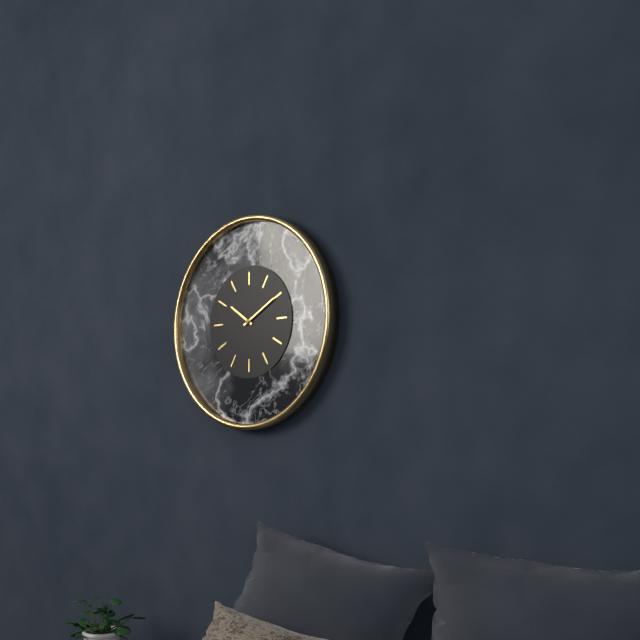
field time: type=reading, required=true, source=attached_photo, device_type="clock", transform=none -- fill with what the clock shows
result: 10:10
